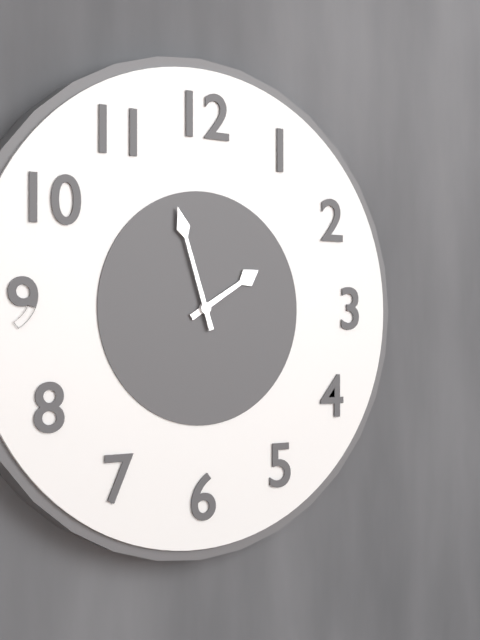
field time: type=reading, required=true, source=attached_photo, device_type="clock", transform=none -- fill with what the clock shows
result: 1:57
